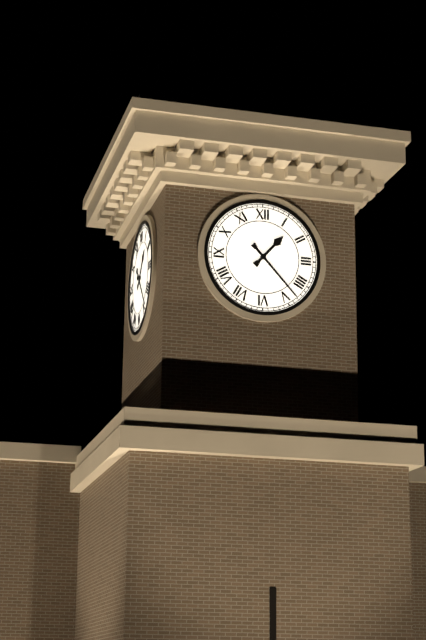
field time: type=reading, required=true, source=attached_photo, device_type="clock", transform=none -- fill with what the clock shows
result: 1:23
